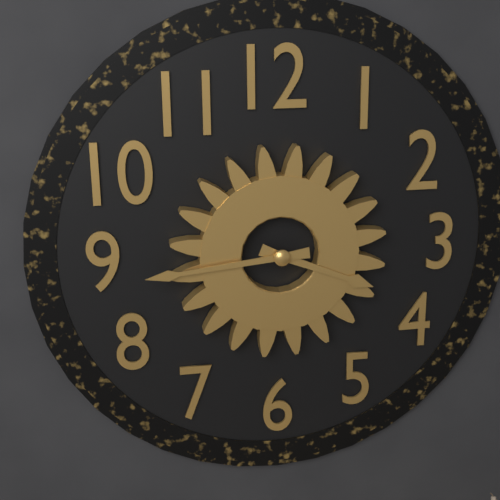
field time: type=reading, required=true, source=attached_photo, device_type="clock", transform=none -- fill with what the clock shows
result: 3:44
